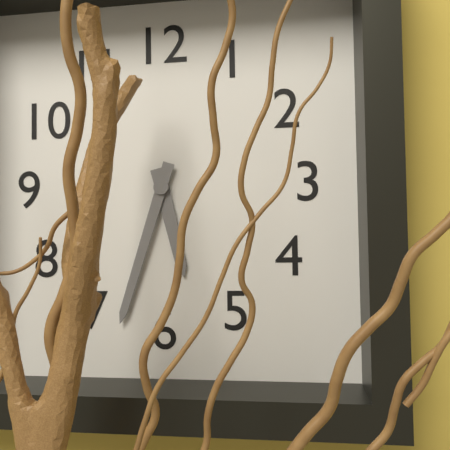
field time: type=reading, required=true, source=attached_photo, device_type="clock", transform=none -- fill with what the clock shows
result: 5:33
